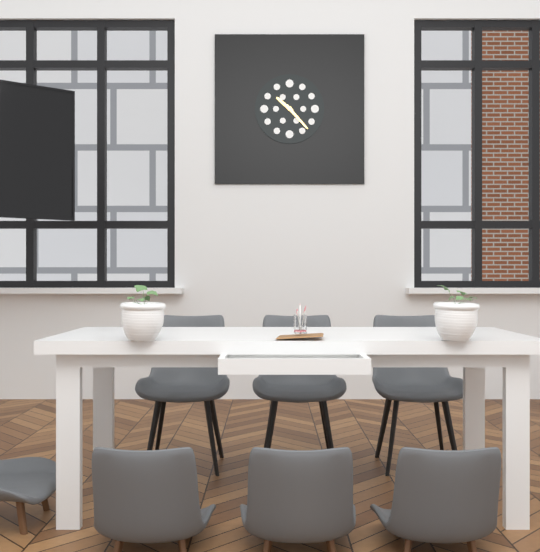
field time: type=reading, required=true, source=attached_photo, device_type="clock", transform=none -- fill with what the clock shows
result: 10:23
